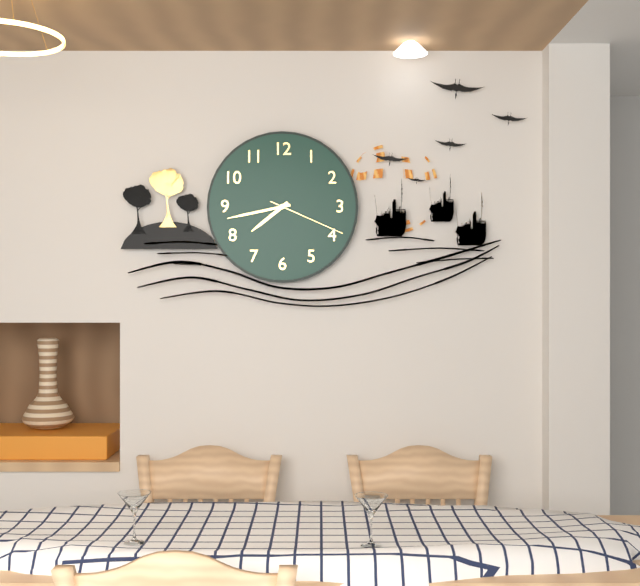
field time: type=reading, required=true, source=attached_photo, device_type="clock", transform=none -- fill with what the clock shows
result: 7:43:19
